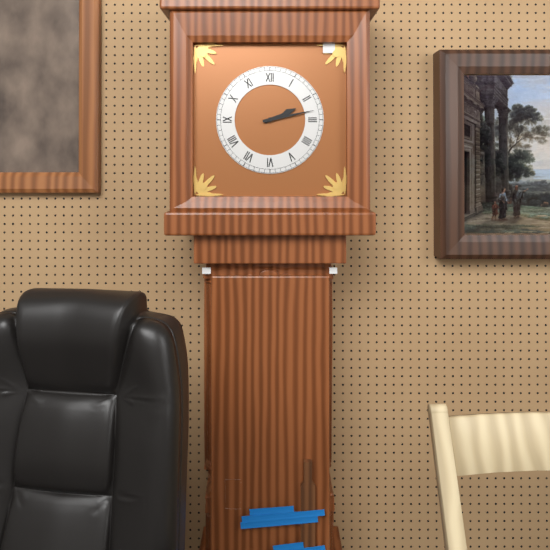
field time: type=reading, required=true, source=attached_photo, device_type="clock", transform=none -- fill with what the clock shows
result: 2:13
